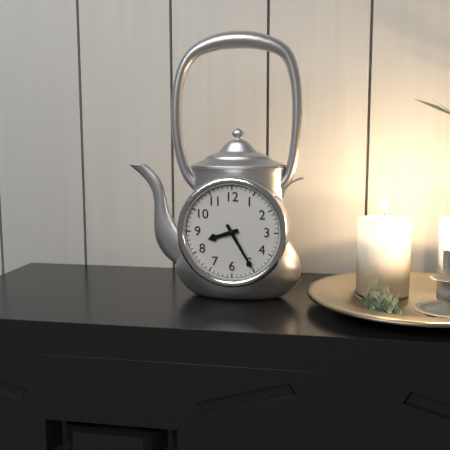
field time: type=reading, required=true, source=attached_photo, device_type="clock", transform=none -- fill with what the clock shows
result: 8:25
